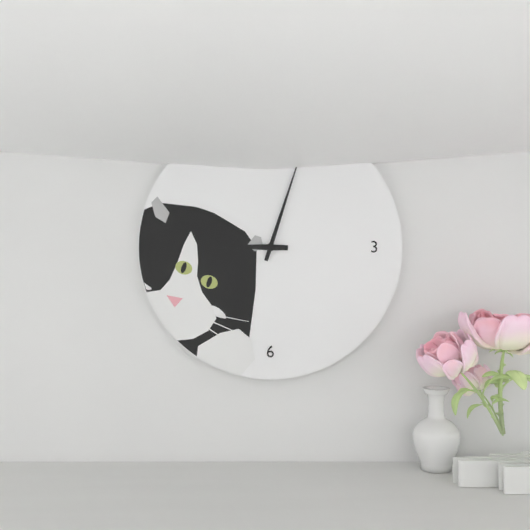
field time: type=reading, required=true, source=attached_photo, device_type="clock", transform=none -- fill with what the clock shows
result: 9:03
